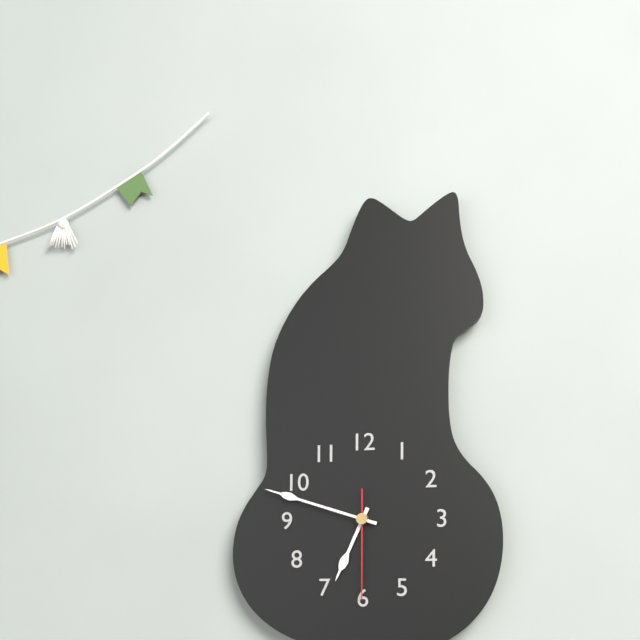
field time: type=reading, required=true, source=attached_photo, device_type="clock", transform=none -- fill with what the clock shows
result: 6:48:30
